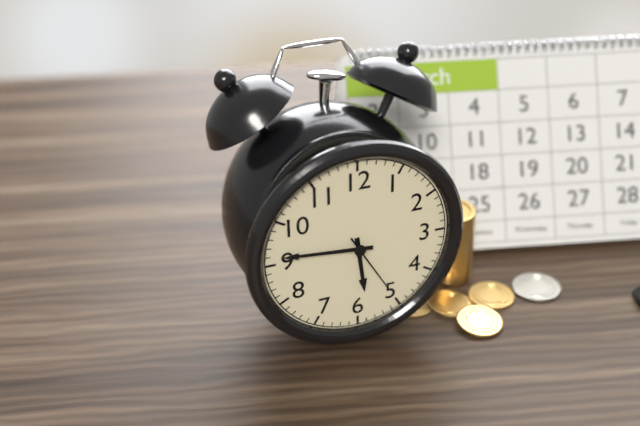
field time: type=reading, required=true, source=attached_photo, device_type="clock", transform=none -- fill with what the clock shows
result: 5:46:25
